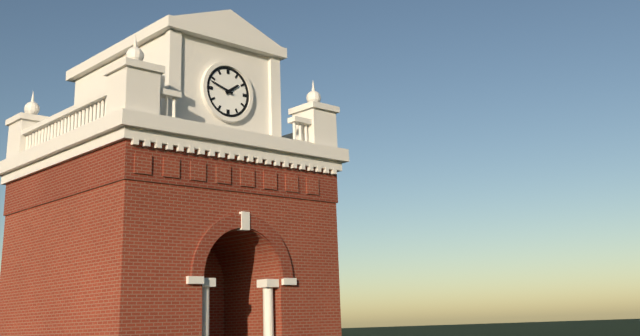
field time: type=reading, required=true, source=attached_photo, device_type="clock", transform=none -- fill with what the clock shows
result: 1:48
